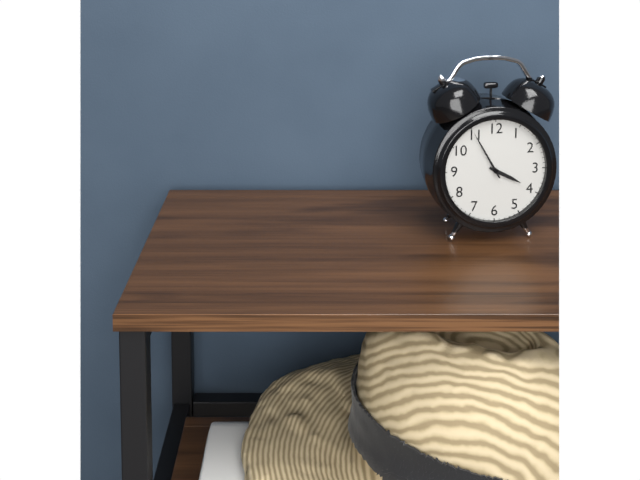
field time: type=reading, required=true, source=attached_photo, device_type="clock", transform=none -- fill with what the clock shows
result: 3:55
